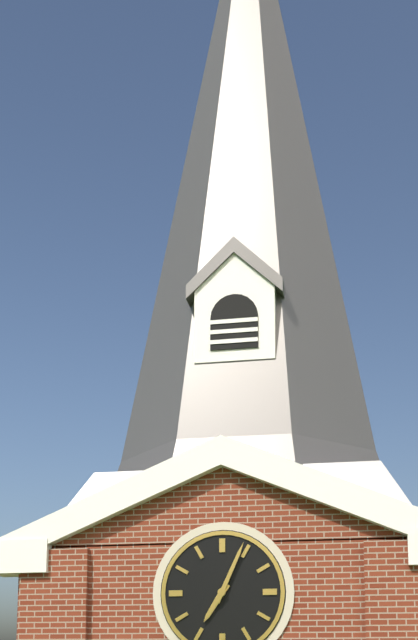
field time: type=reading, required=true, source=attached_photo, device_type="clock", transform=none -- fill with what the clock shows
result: 7:04
